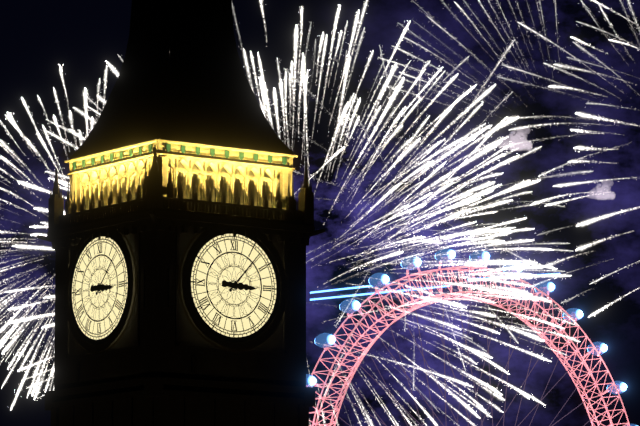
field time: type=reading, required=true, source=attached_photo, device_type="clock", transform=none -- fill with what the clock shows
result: 3:07
